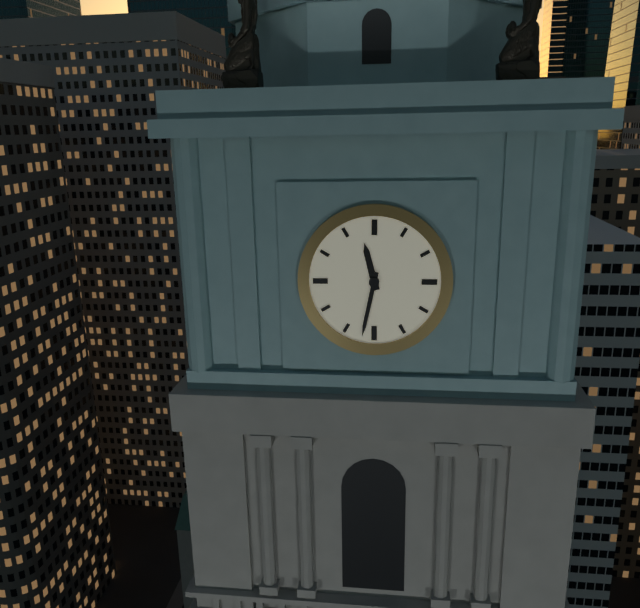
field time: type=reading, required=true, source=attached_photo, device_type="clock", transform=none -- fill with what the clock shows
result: 11:32
